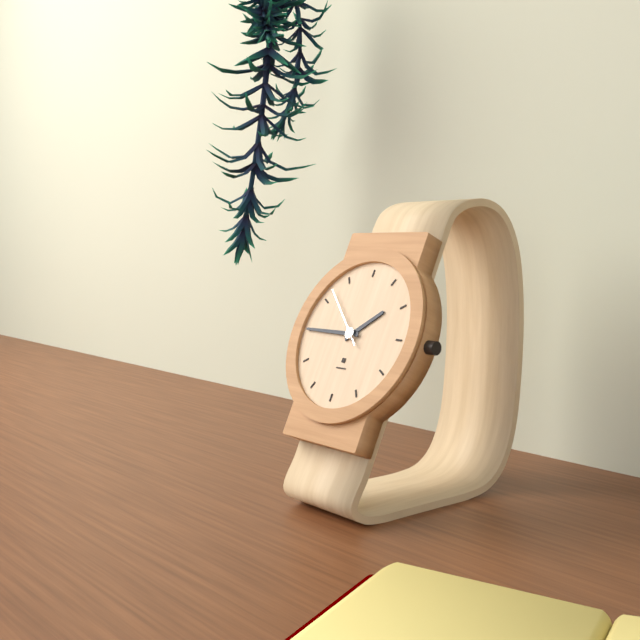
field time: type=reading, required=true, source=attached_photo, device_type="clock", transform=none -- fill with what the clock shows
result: 1:45:52
